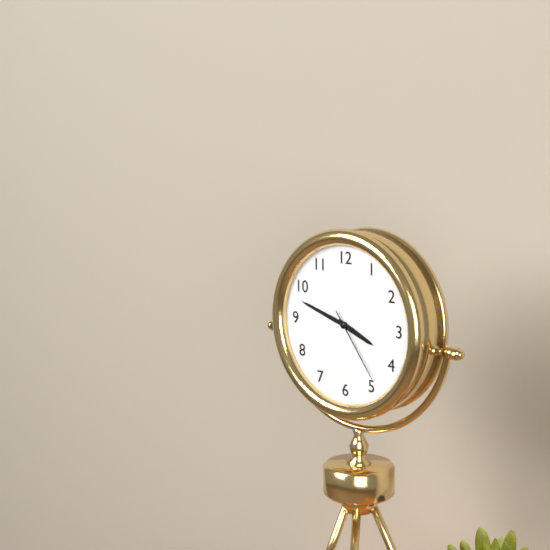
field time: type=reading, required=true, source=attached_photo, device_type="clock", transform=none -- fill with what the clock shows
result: 3:48:24
